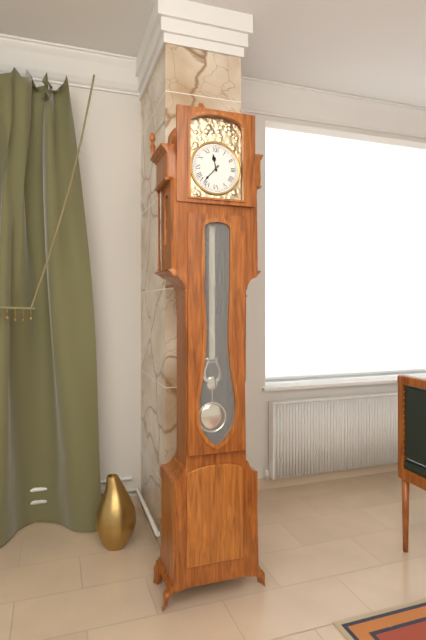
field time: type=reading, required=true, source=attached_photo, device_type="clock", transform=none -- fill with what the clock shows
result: 11:37
